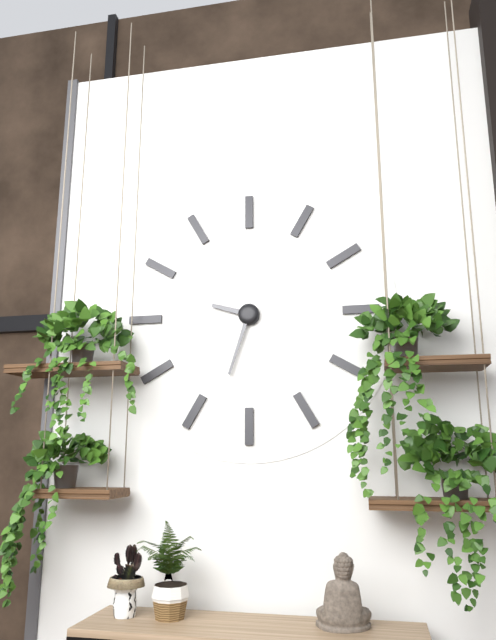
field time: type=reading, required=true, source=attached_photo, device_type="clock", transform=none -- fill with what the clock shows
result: 9:33
